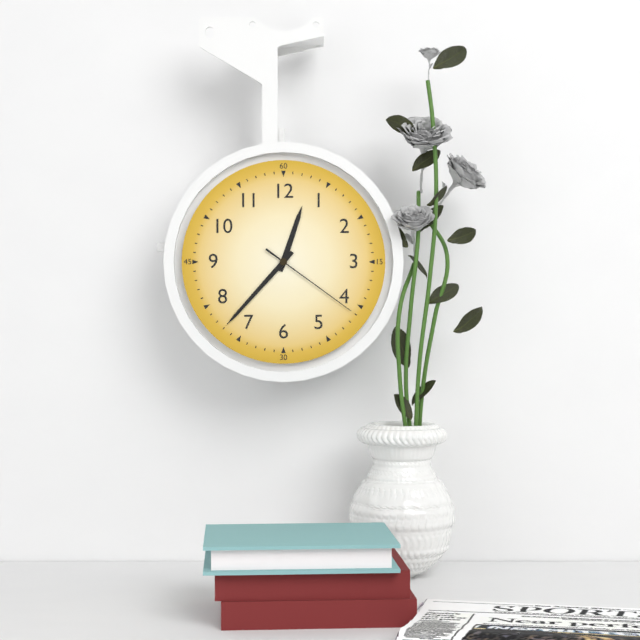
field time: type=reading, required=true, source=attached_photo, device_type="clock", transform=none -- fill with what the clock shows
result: 12:37:21
